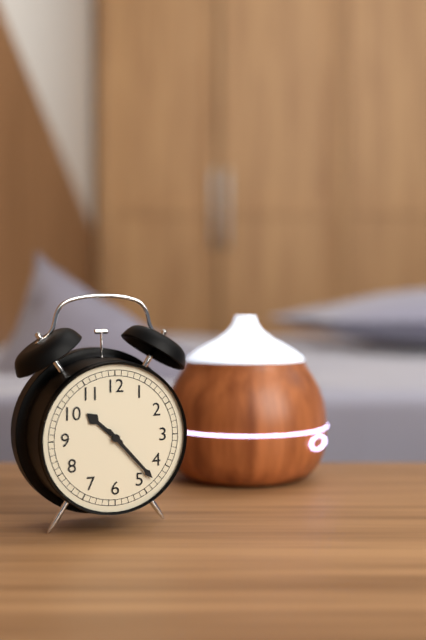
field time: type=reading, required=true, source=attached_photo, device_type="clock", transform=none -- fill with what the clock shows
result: 10:23
